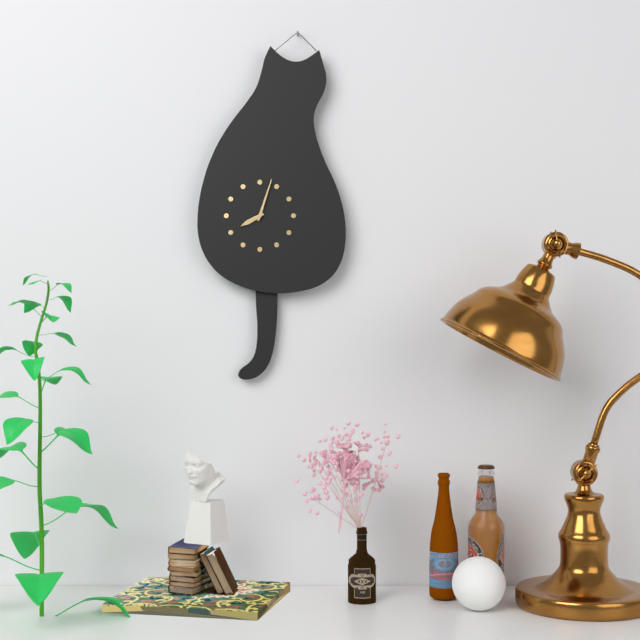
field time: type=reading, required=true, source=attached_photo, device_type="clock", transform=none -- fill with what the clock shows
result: 8:03
